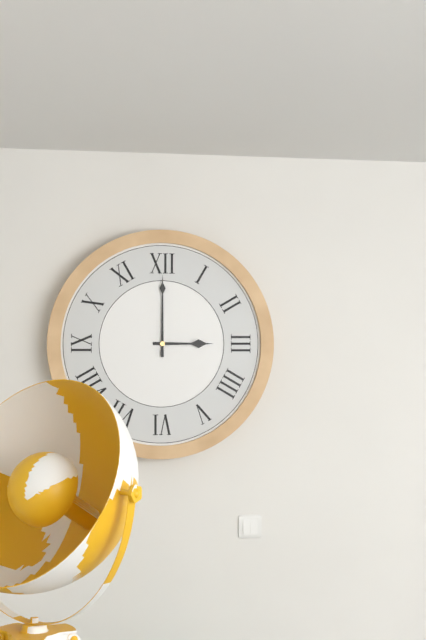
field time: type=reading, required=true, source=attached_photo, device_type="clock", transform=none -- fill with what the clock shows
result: 3:00
